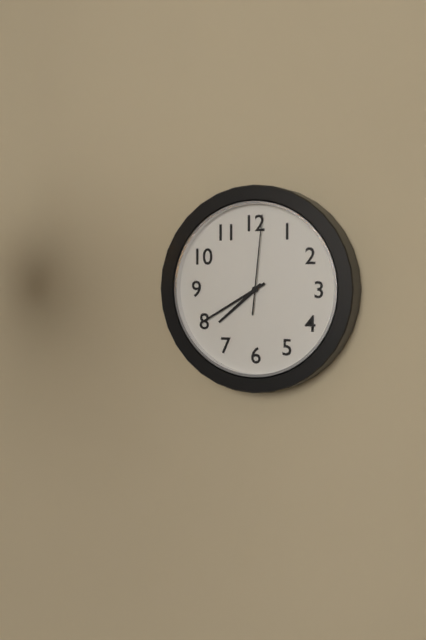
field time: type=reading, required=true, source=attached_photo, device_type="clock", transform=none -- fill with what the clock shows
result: 7:40:01
